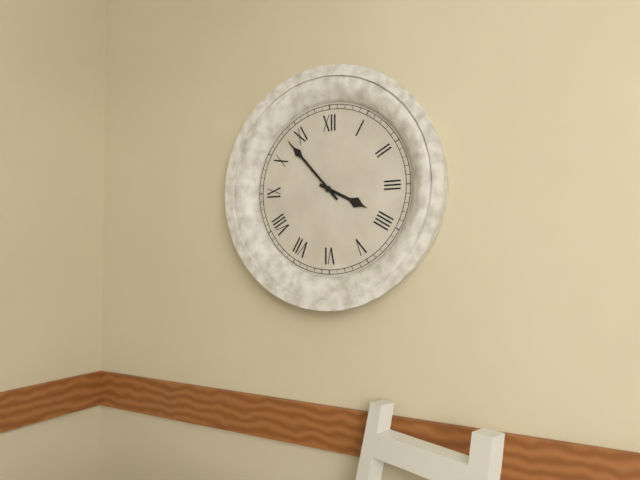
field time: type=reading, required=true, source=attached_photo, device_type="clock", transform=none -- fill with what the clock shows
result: 3:53
